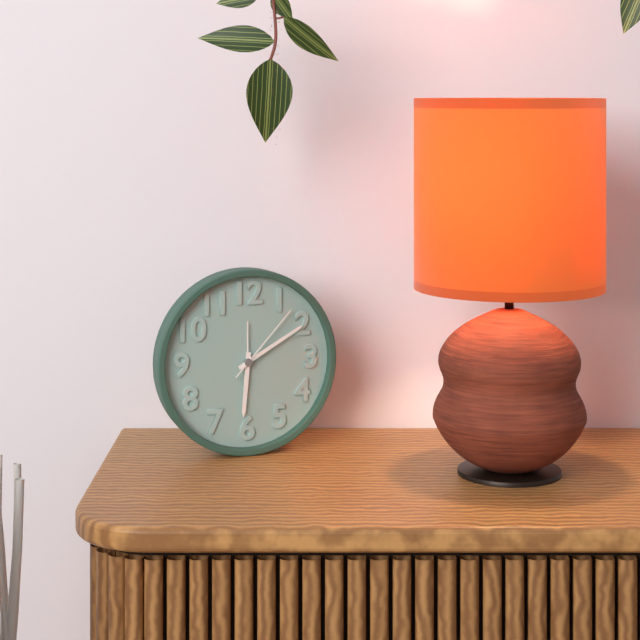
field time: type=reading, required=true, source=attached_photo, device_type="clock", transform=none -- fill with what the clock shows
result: 6:10:07
